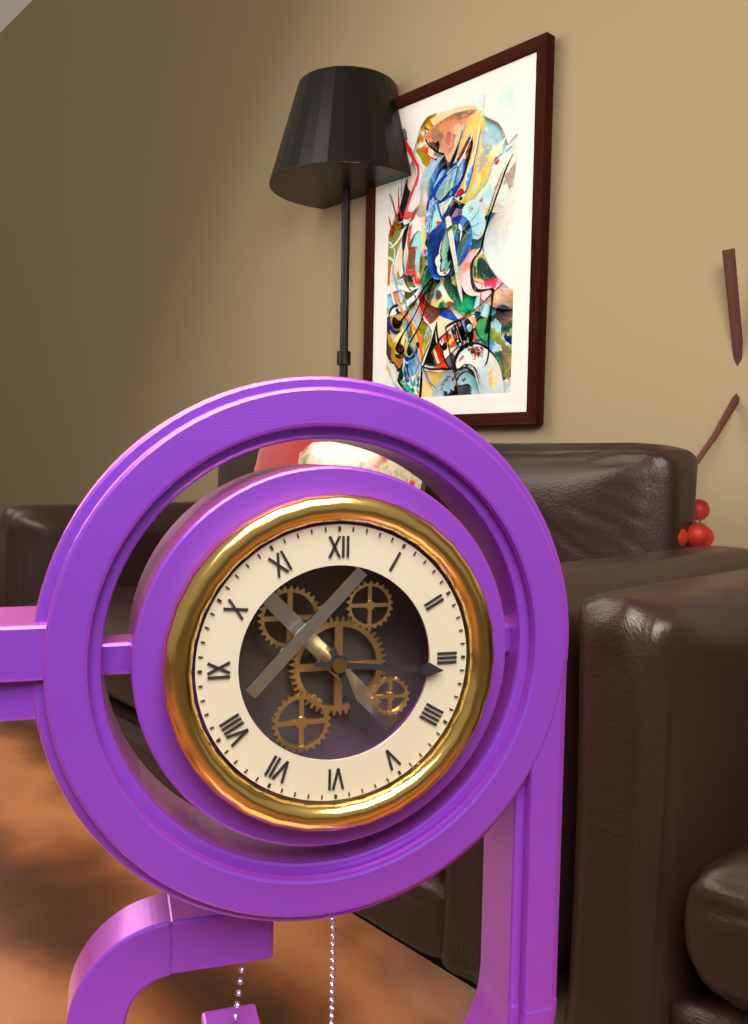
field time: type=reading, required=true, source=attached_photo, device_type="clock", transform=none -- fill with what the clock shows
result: 5:16
